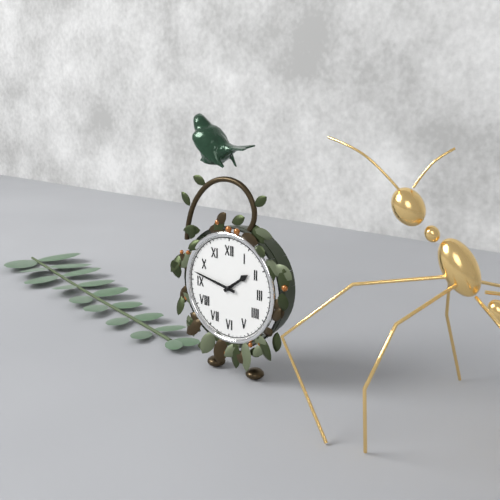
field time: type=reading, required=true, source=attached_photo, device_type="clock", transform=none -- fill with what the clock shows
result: 1:47
